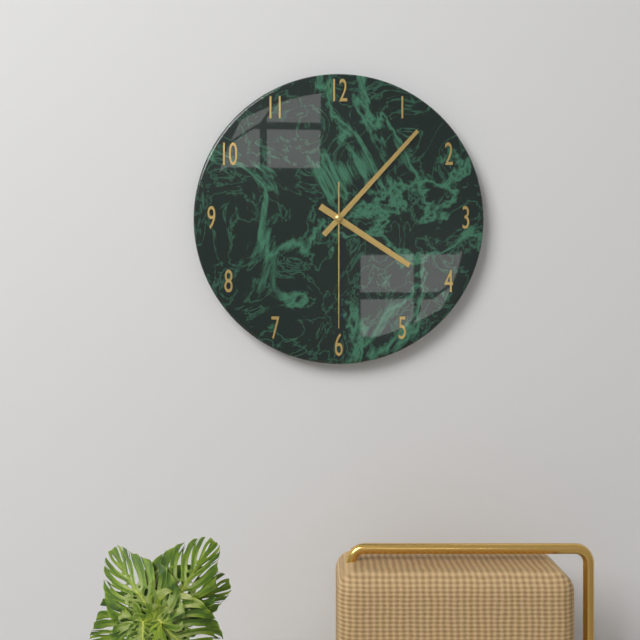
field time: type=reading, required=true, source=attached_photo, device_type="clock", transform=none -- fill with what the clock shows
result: 4:07:30
